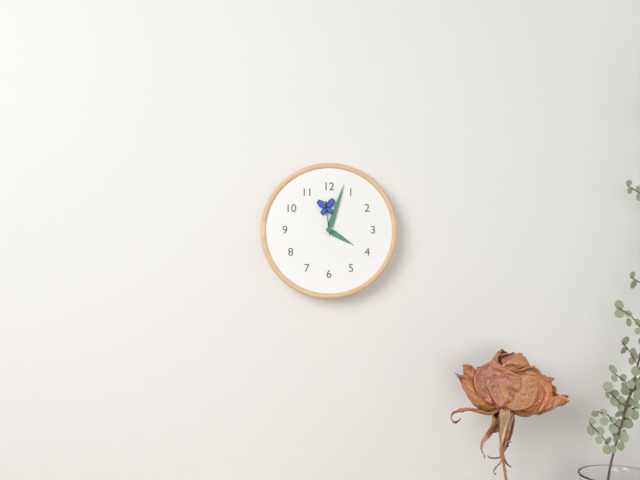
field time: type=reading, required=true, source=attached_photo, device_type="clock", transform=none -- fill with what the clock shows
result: 4:03
